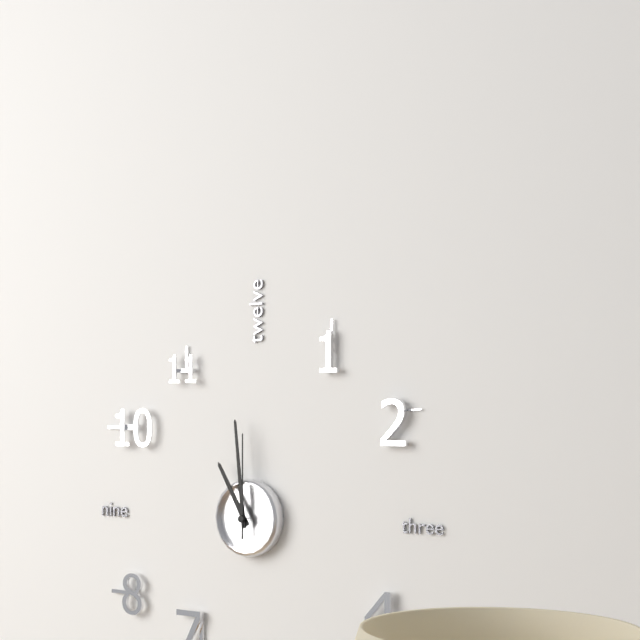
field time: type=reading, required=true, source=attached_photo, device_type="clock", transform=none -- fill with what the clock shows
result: 10:59:00
